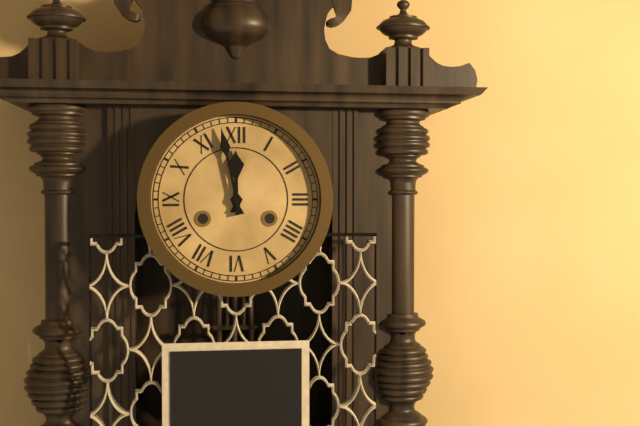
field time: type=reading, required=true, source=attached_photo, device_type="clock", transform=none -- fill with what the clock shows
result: 11:58
